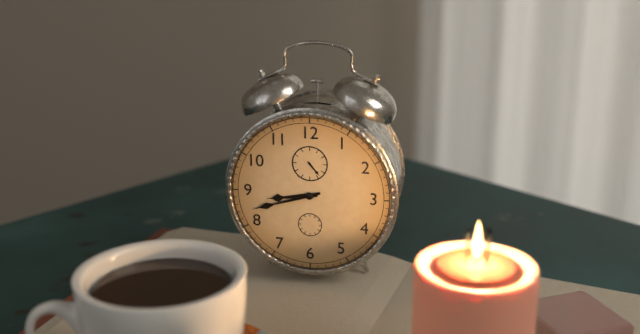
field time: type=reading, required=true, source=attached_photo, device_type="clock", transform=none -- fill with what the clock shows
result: 8:42
